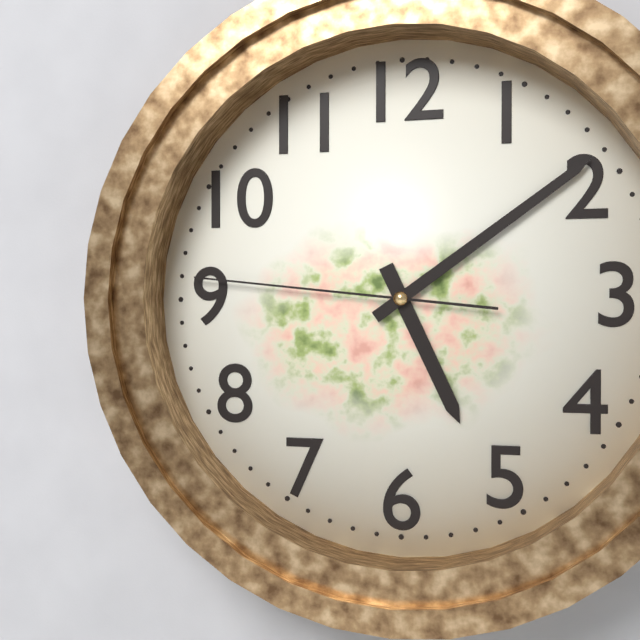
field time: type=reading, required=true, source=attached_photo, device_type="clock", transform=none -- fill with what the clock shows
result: 5:09:46
